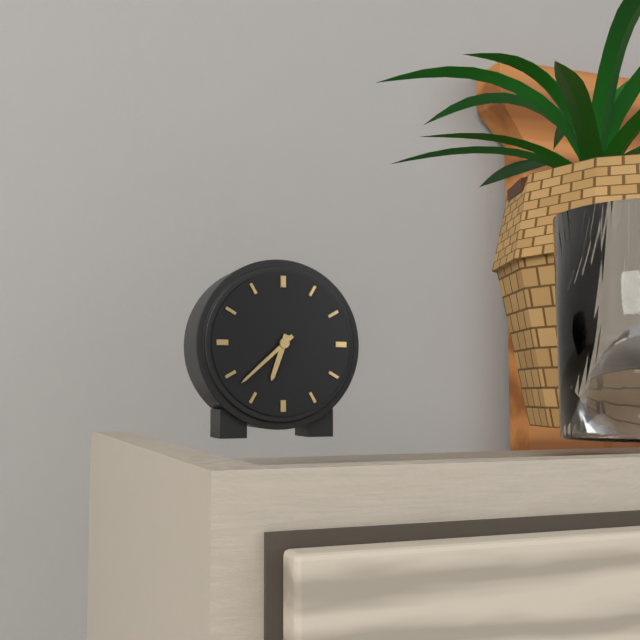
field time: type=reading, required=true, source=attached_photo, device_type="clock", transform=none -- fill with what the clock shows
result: 6:38
